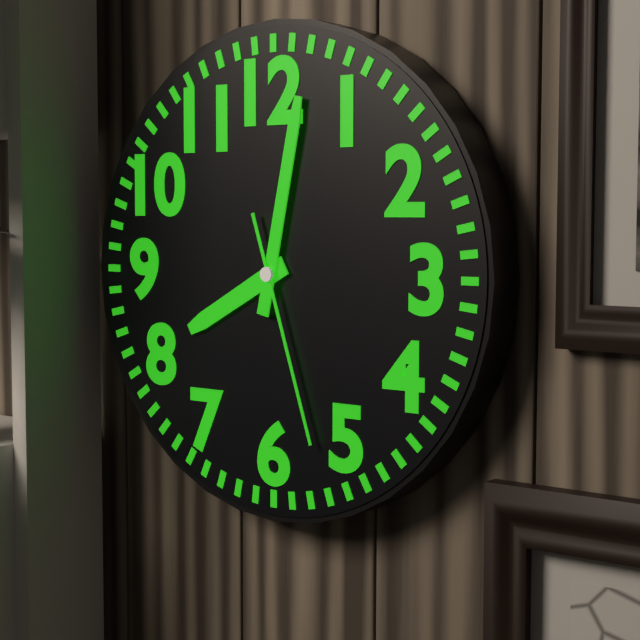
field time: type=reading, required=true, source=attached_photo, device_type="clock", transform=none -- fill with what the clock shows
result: 8:02:27
